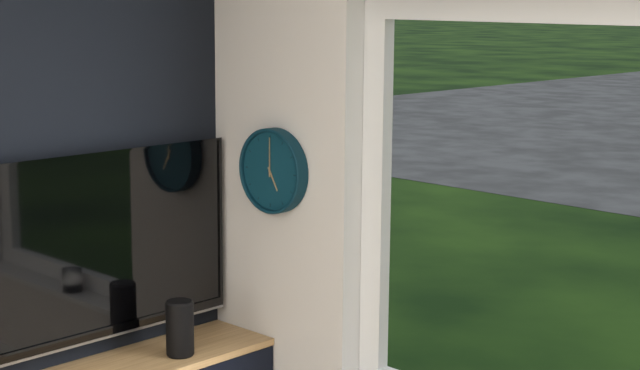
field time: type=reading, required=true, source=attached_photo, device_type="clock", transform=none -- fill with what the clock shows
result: 5:00
